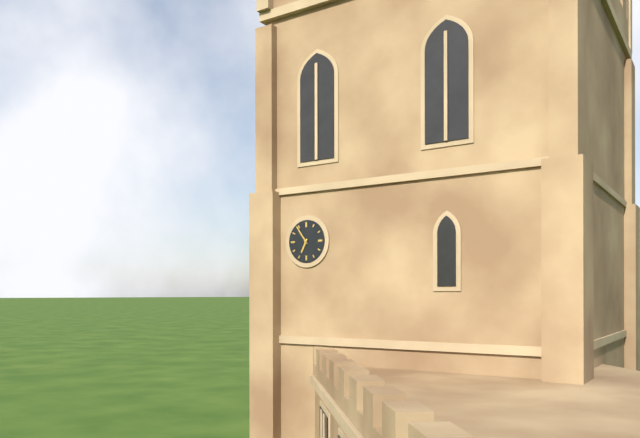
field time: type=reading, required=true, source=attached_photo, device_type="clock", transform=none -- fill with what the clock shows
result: 6:54
